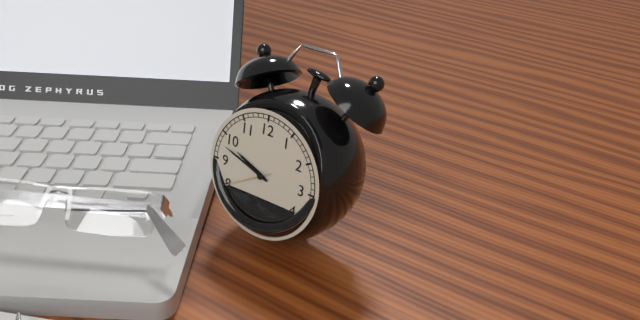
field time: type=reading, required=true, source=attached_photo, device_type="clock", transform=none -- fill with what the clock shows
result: 9:48:40
